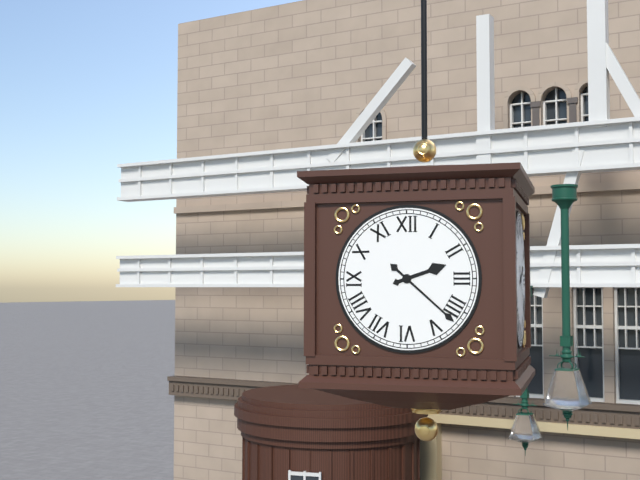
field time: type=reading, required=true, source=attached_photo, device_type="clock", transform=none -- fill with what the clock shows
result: 2:22
